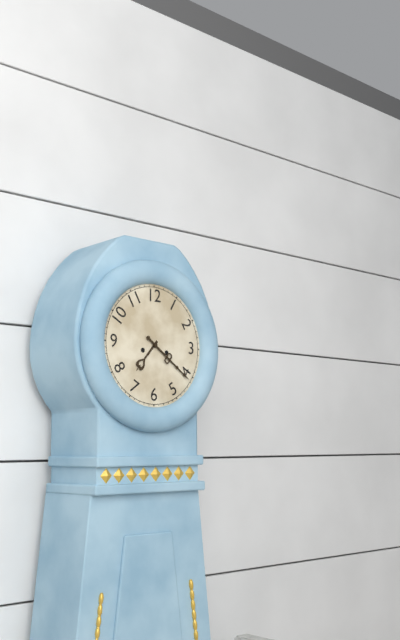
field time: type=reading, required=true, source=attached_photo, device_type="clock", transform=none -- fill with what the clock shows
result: 7:21
